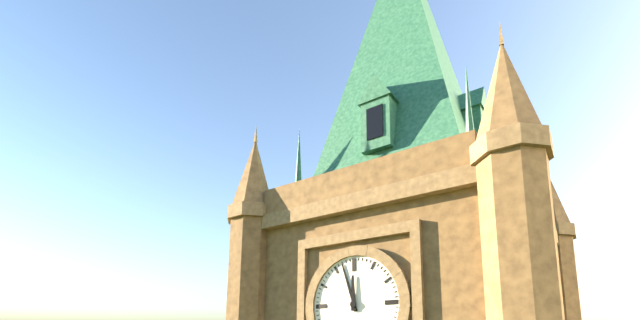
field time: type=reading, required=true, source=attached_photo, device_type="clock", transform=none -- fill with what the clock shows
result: 11:57
